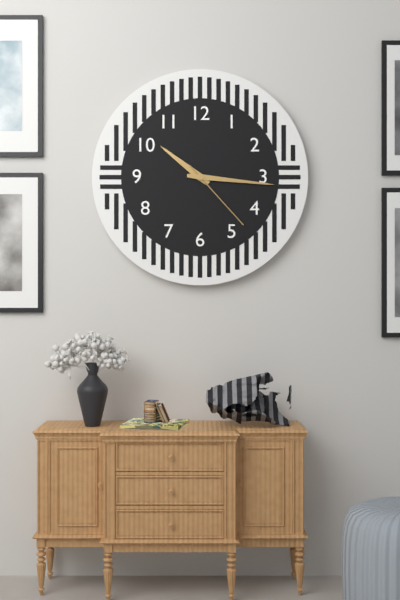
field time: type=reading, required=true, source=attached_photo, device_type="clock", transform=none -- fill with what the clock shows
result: 10:16:23
